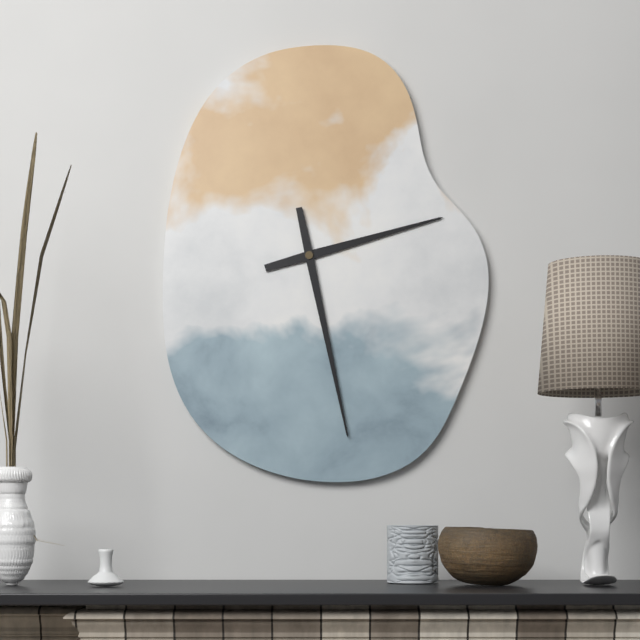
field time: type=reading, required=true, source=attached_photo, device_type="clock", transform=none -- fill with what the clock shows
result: 2:28
